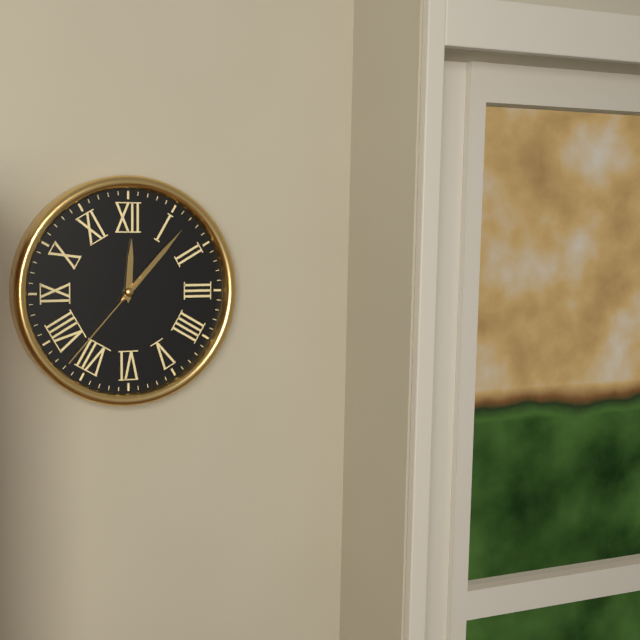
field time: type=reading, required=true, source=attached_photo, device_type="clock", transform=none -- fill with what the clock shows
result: 12:07:37
